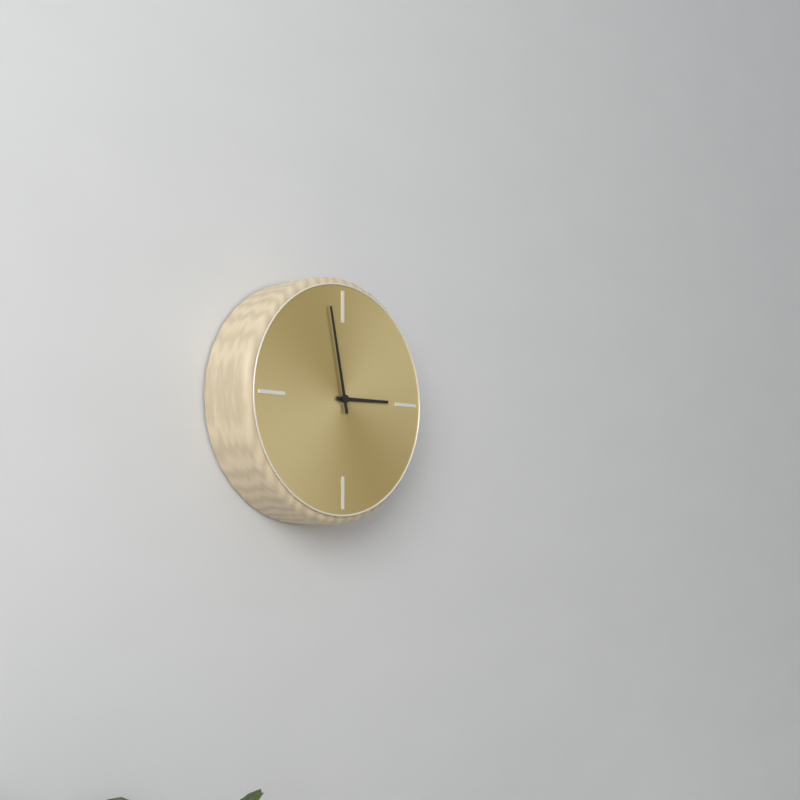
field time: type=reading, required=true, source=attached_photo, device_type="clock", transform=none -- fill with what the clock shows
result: 2:58
